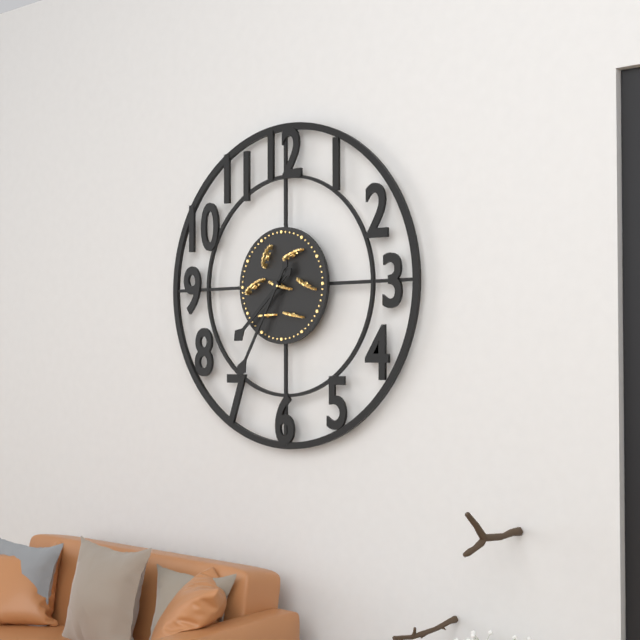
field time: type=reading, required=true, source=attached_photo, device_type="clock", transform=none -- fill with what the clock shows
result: 7:35
